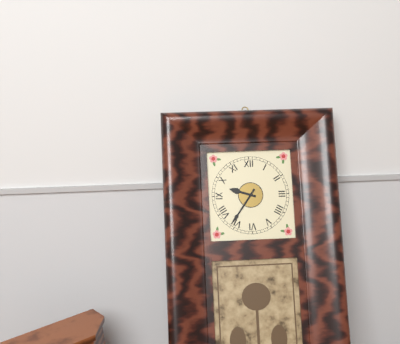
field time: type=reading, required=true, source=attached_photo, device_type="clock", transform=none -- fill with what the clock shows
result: 9:36
